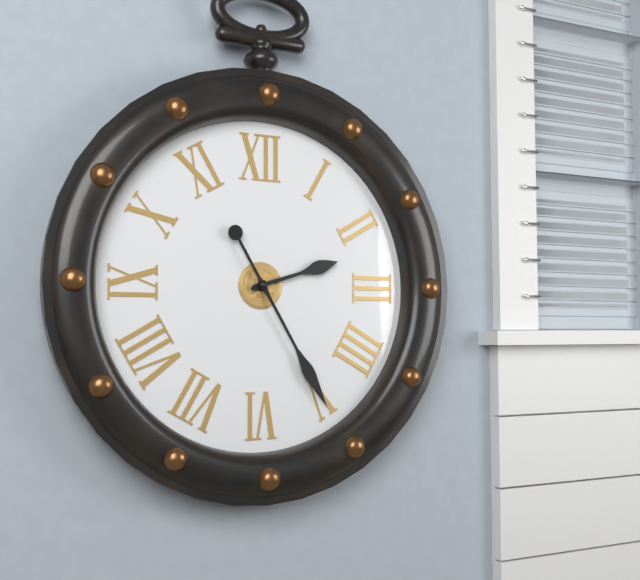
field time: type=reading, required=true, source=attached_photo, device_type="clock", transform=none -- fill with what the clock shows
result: 2:25
